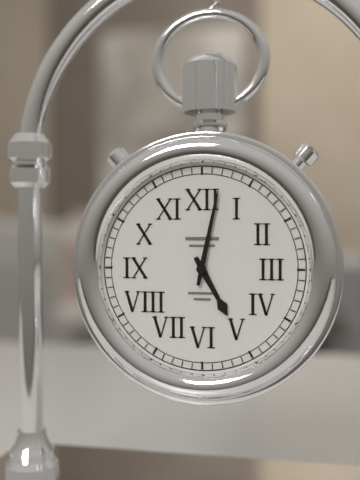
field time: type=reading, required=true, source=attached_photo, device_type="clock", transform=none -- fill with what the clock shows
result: 5:02
